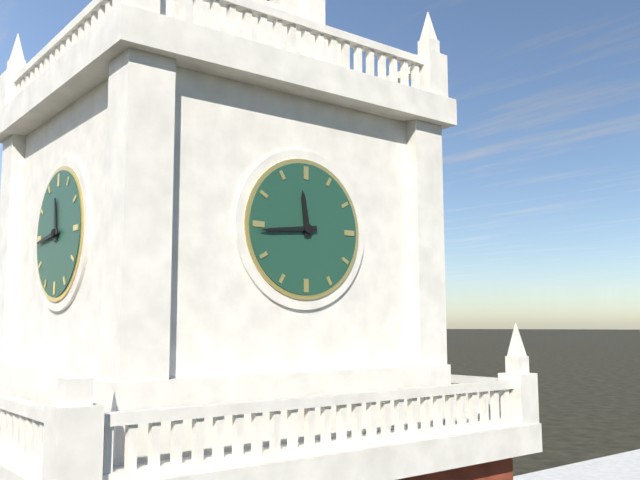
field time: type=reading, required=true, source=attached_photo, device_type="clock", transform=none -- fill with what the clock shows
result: 11:44
